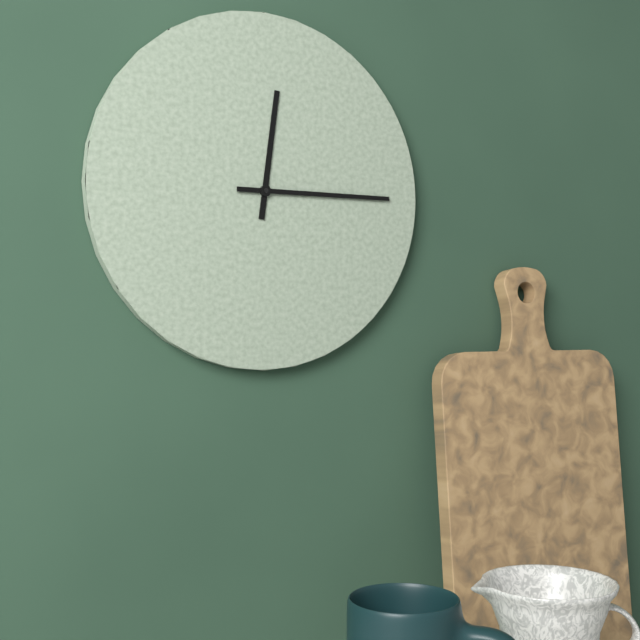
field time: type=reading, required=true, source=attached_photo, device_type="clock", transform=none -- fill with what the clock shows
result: 12:15
